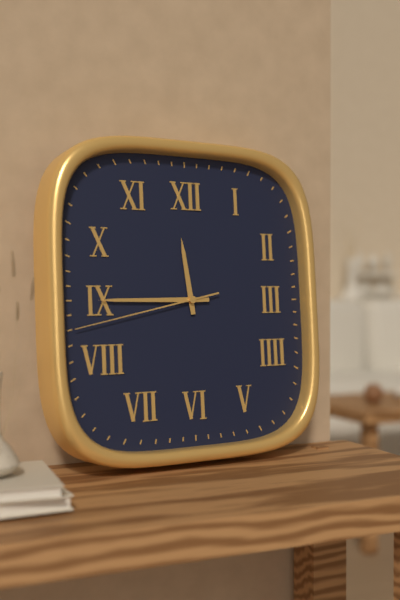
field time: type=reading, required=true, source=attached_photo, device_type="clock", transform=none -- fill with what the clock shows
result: 11:45:43
